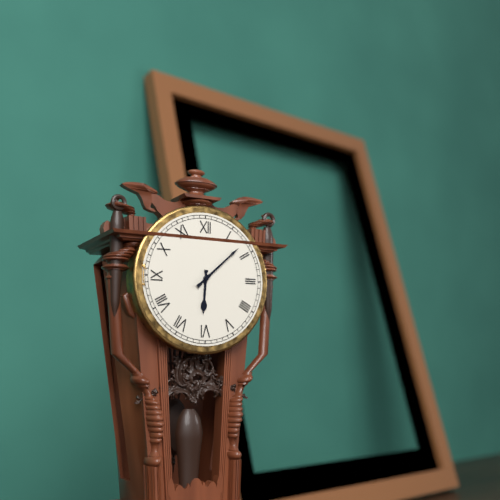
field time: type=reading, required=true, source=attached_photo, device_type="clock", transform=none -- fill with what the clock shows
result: 6:08
